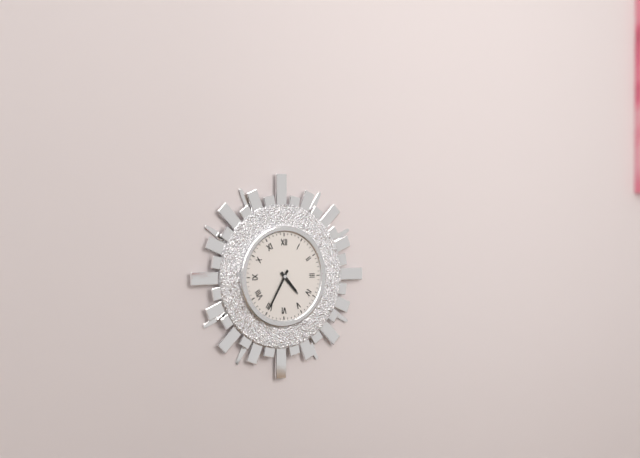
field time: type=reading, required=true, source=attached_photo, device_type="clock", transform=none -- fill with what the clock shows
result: 4:35
